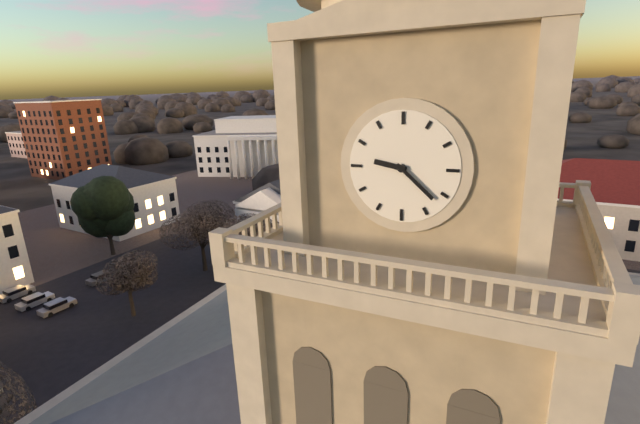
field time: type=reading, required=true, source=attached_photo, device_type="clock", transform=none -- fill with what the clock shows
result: 9:22
